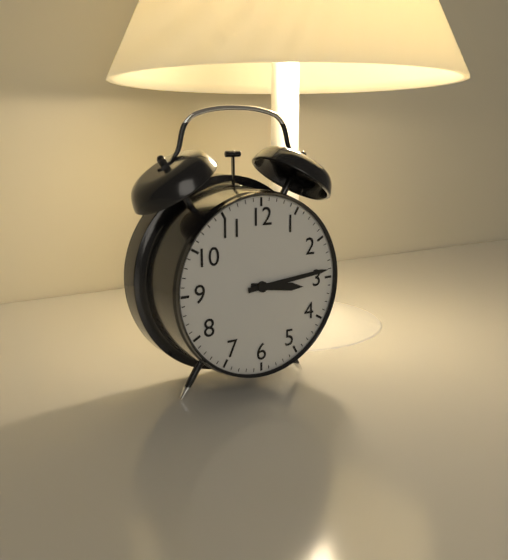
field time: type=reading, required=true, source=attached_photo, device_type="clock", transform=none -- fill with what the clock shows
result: 3:14
